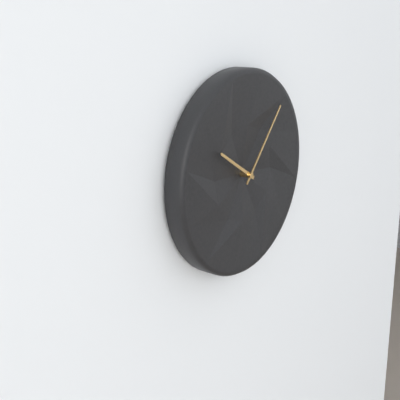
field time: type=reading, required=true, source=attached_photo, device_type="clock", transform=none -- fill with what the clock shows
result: 10:07
